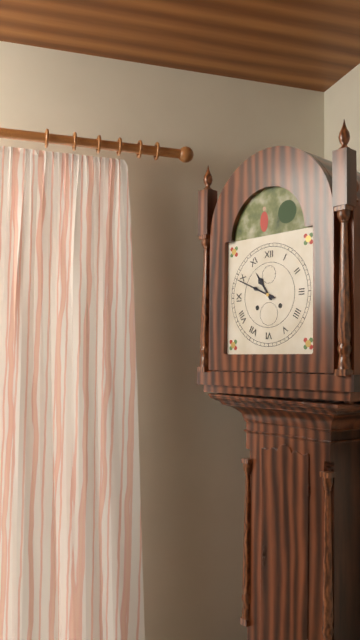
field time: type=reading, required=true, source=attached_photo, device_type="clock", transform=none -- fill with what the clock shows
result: 10:49
